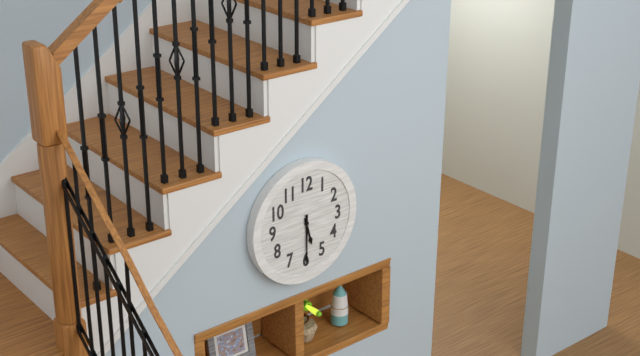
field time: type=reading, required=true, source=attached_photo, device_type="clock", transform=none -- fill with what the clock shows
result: 5:30
